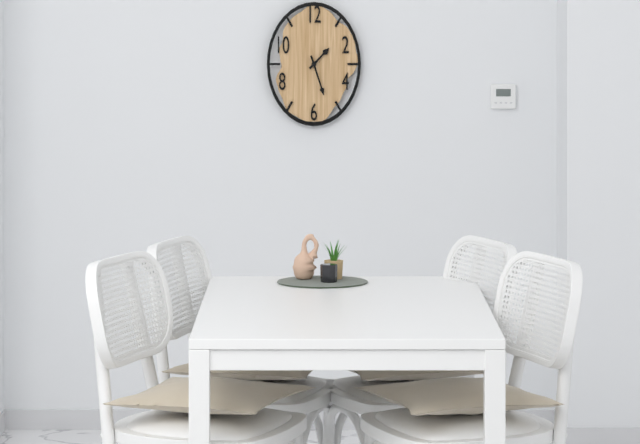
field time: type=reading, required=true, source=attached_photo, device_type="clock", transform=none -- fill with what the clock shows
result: 1:27
